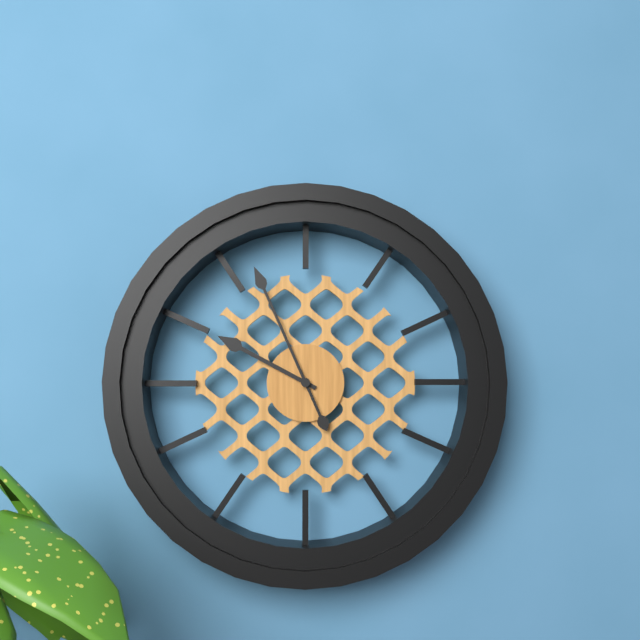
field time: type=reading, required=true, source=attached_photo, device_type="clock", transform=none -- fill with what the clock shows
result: 9:56
